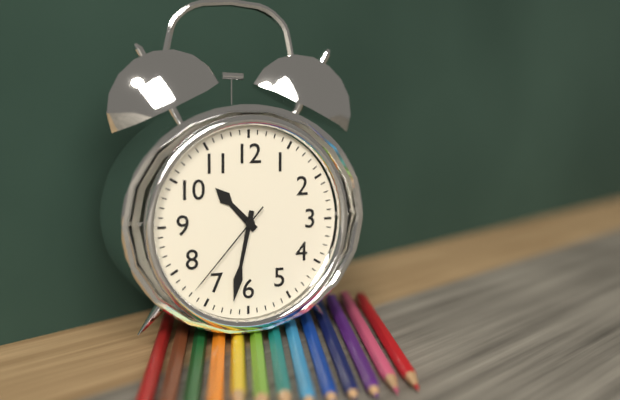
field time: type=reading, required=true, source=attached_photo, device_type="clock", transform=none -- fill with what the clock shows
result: 10:32:37
